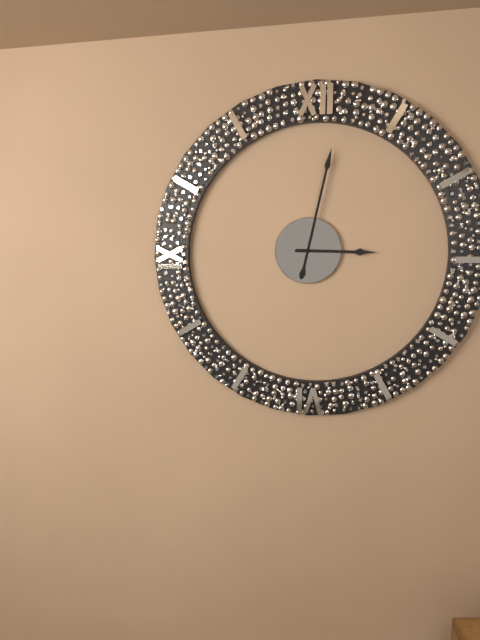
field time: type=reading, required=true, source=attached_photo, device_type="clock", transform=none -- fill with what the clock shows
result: 3:02
